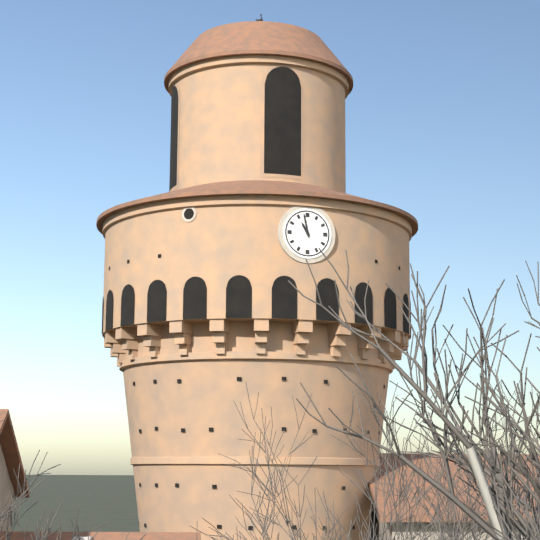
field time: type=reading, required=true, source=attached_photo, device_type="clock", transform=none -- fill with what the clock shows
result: 10:58
